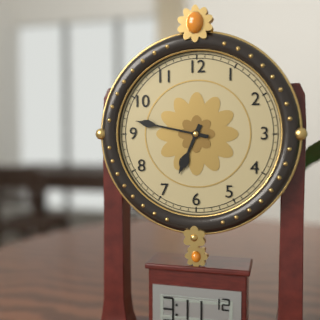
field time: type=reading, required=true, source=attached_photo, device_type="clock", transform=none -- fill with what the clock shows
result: 6:47
